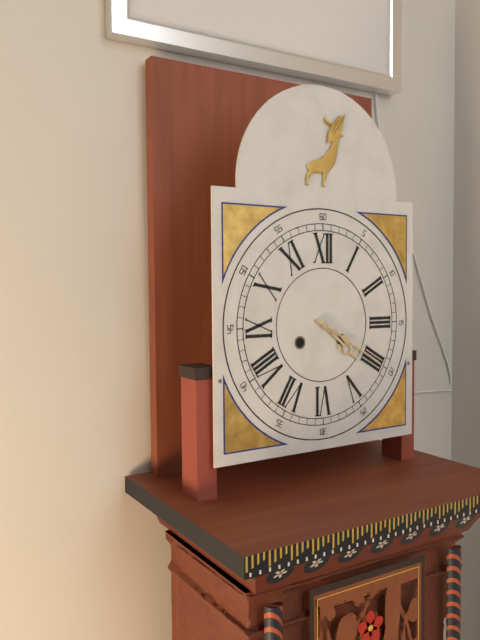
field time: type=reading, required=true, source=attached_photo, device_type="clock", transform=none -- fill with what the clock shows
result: 4:20
